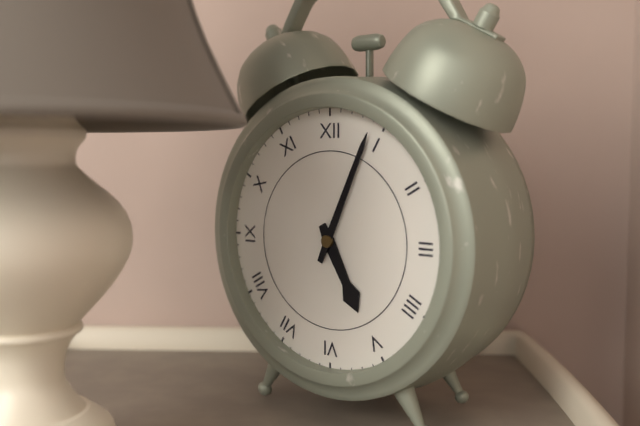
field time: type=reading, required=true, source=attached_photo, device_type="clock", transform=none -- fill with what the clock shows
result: 5:04
